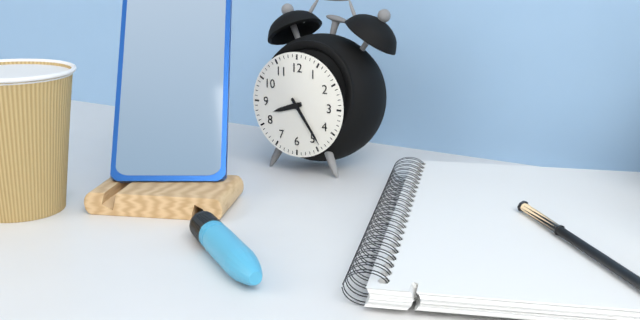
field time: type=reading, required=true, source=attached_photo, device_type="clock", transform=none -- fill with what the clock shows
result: 8:24
